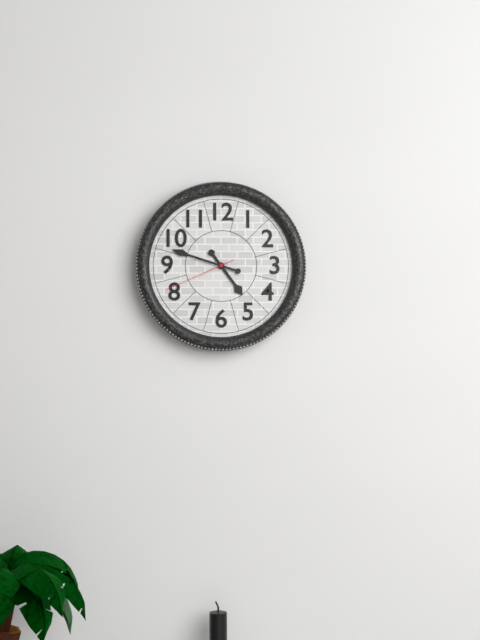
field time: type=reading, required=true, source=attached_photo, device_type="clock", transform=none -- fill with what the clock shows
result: 4:48:41
